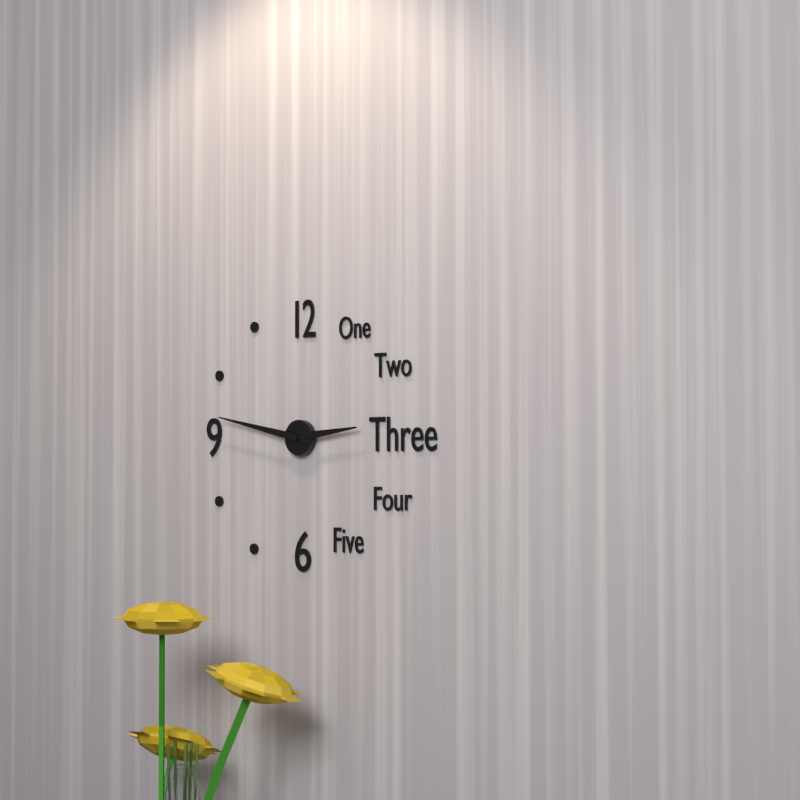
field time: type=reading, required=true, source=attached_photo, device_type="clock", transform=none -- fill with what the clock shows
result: 2:47
